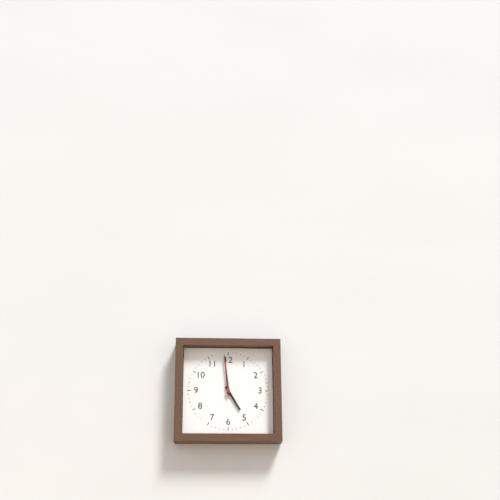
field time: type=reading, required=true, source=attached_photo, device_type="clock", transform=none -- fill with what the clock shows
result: 4:59
